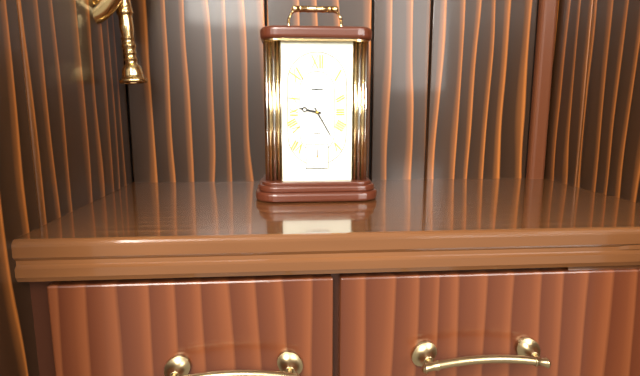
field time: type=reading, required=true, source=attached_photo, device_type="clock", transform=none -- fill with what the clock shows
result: 9:25
